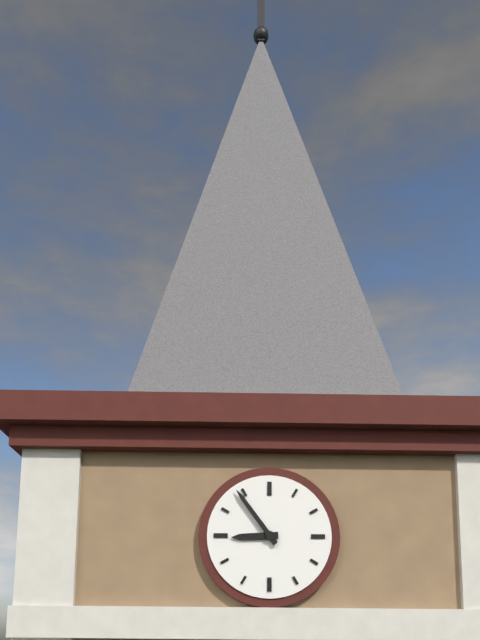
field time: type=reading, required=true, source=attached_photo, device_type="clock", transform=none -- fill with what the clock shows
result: 8:54
